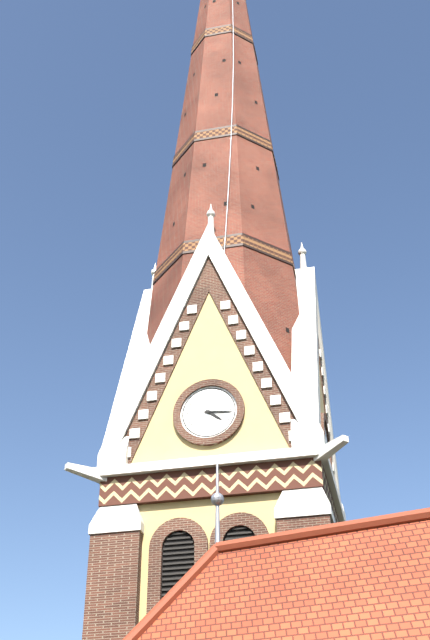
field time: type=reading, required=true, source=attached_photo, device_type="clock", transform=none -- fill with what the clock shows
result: 4:16
